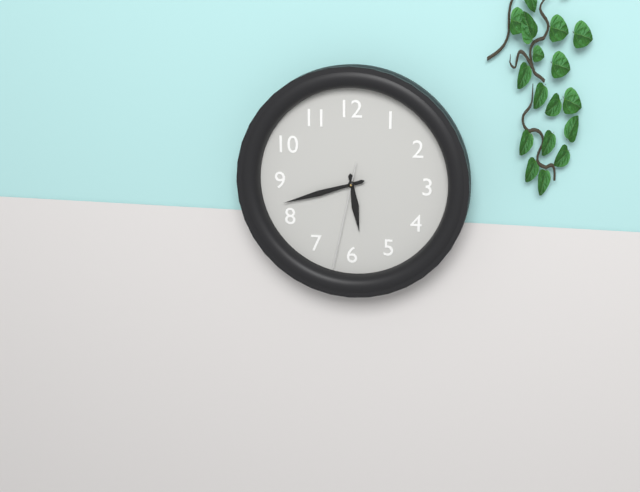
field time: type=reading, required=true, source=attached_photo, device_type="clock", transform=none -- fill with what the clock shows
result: 5:42:32
